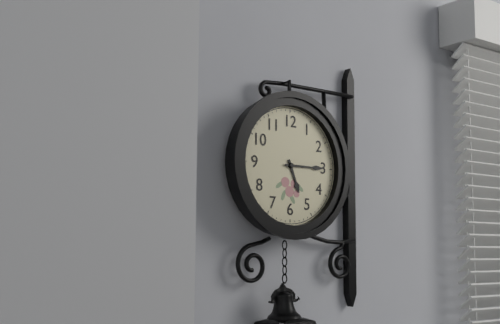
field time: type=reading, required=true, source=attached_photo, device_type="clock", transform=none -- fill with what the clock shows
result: 5:15
